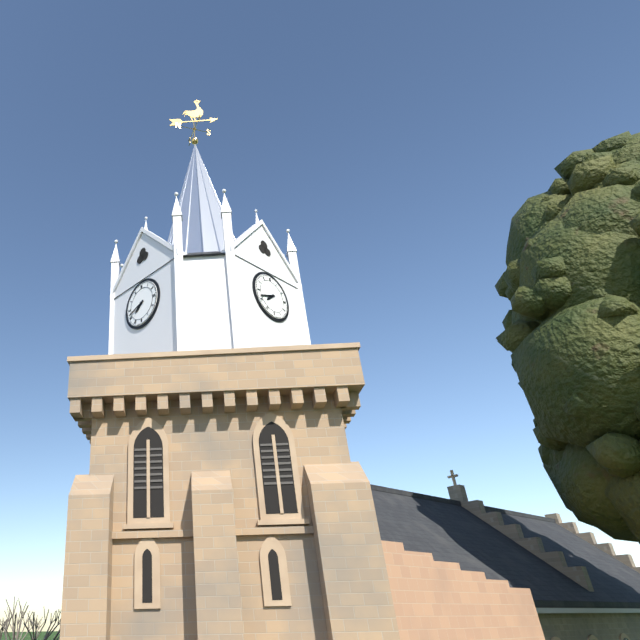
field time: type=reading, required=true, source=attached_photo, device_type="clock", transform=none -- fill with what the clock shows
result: 7:42
